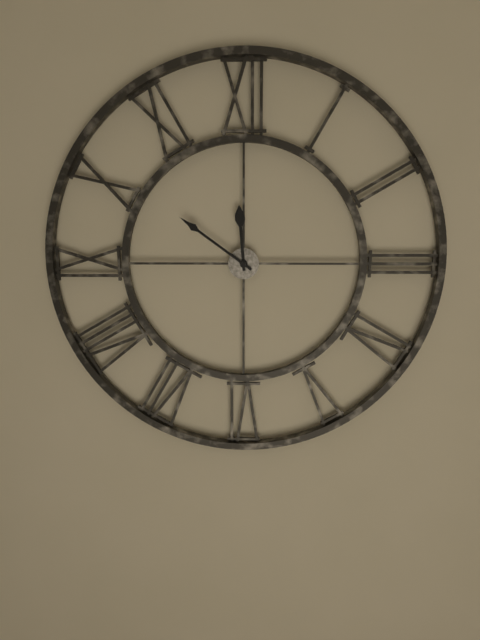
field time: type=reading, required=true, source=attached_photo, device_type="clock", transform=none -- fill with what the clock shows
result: 11:51
